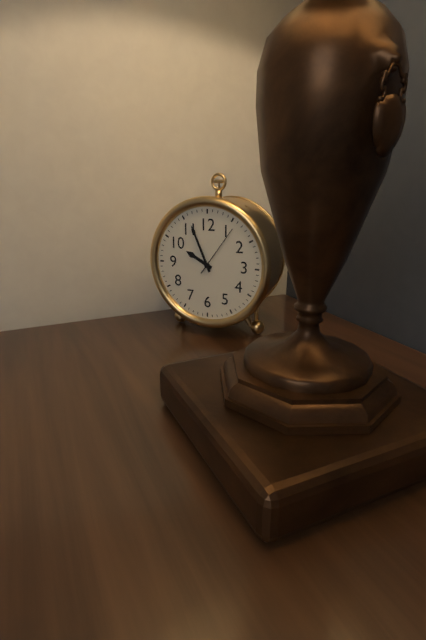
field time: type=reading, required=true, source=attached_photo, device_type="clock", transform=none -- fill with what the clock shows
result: 9:56:06
